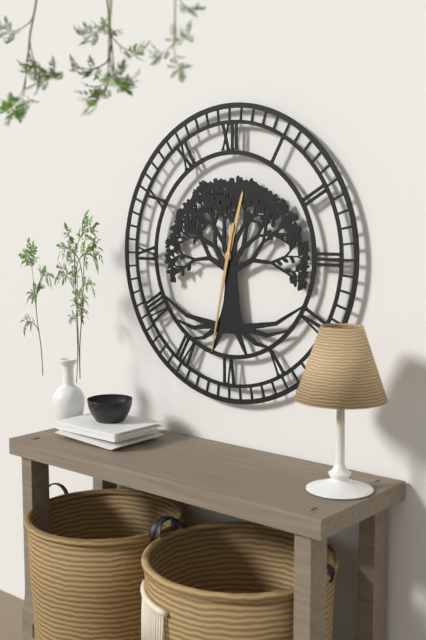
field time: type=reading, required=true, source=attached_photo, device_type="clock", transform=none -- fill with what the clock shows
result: 12:32
